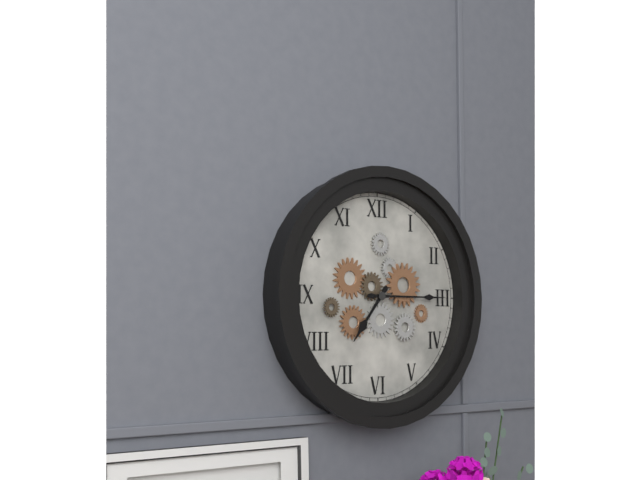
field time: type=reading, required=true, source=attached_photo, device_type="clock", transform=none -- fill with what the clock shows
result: 7:15
